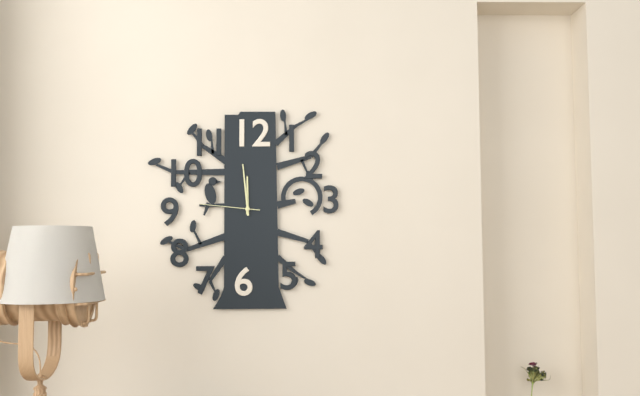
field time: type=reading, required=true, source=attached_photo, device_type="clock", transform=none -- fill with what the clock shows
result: 11:59:46
